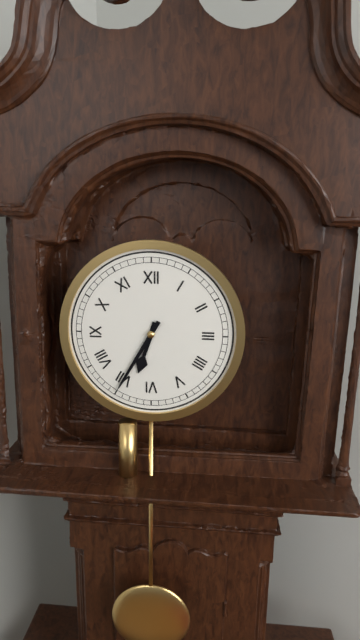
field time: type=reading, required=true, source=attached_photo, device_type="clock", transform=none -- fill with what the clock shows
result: 6:35
